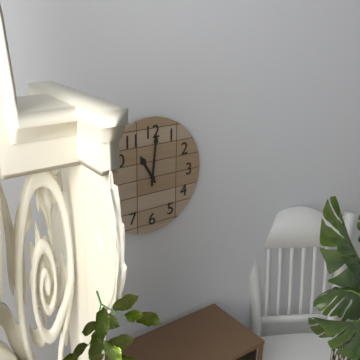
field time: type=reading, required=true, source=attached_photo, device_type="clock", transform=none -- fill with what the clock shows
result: 11:01
